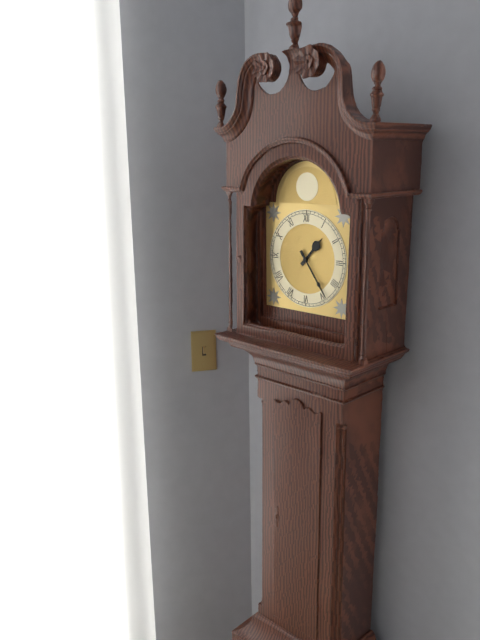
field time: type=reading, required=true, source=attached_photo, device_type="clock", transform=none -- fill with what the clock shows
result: 1:24
